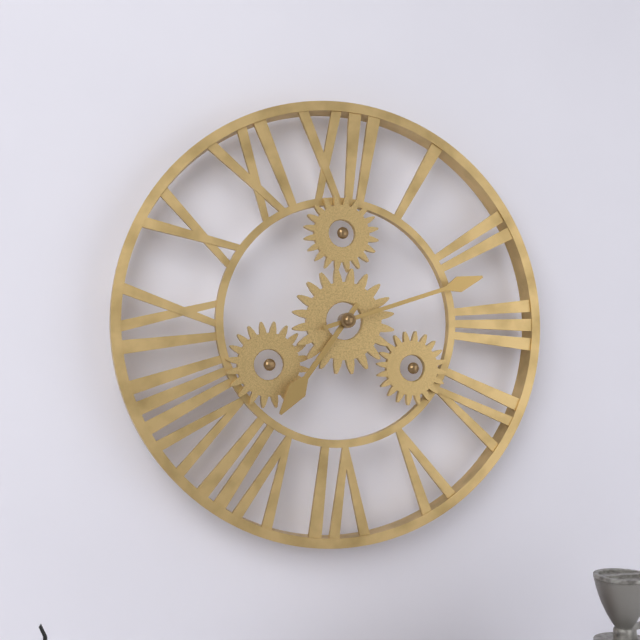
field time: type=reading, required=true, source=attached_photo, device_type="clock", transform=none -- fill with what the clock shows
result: 7:12
